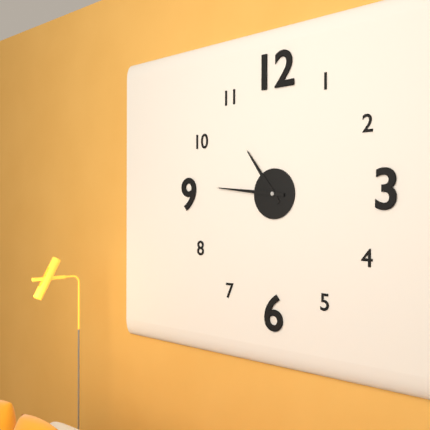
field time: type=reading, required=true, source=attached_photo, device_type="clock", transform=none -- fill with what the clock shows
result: 10:46
